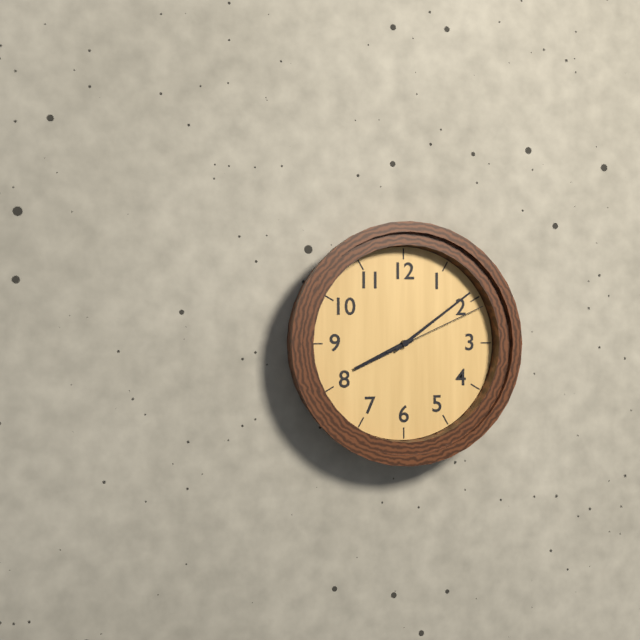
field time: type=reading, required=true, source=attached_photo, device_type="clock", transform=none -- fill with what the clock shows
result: 8:09:11
